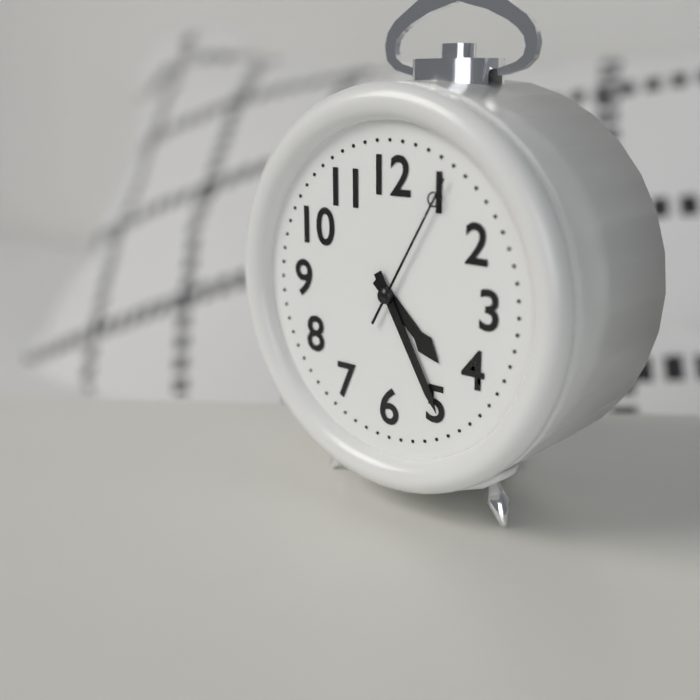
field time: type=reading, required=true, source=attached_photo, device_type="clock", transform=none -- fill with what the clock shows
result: 4:25:05
